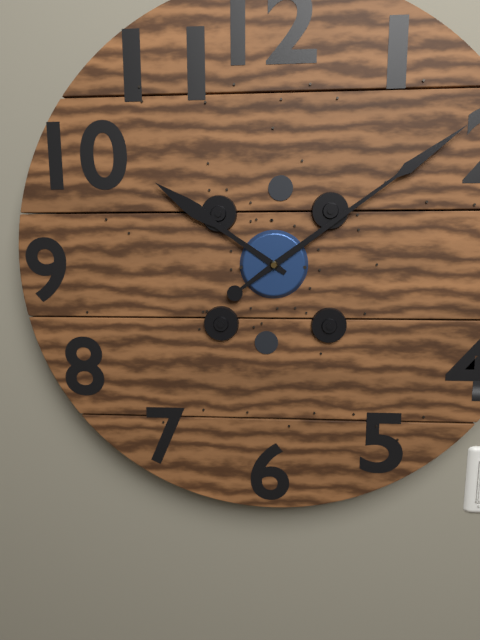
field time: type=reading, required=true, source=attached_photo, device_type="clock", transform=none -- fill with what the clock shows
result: 10:09
